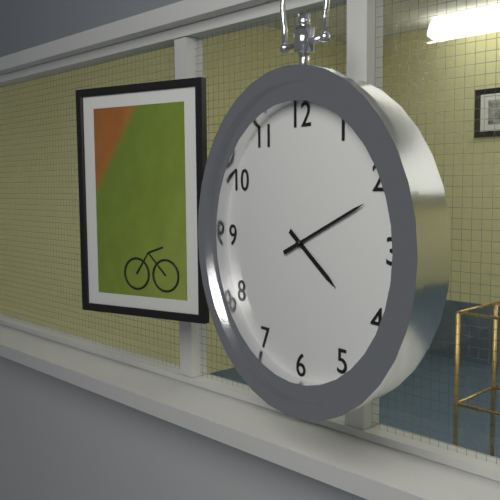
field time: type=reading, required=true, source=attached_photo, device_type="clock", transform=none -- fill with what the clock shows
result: 4:11
